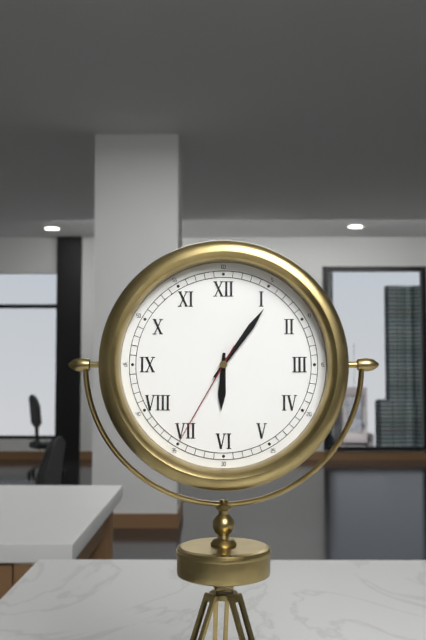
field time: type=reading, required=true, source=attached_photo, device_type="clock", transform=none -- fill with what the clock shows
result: 6:06:35
